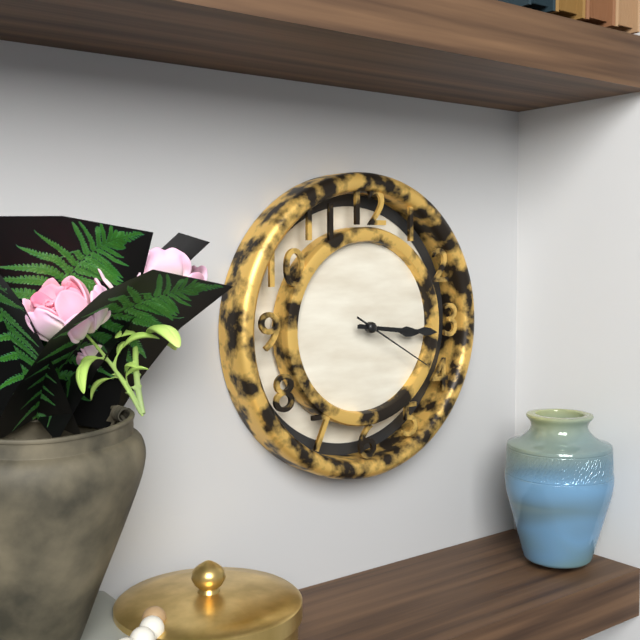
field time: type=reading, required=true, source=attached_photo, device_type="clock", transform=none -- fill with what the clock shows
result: 3:16:20
